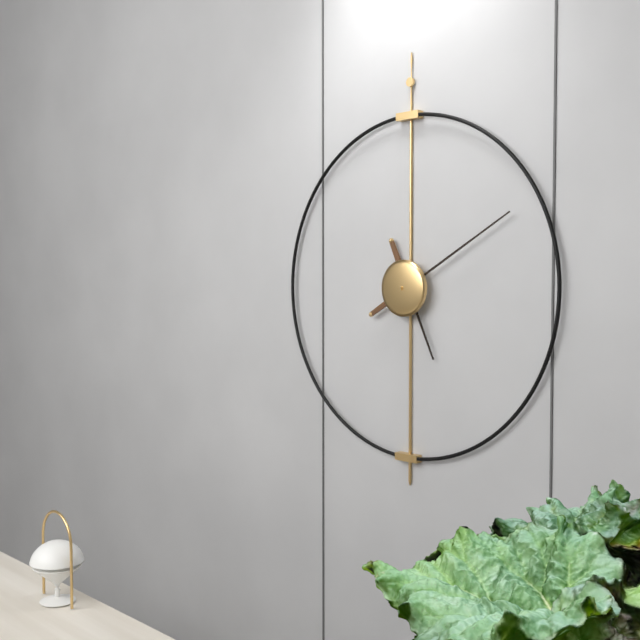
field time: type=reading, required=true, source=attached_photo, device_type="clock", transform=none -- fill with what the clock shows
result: 5:10
